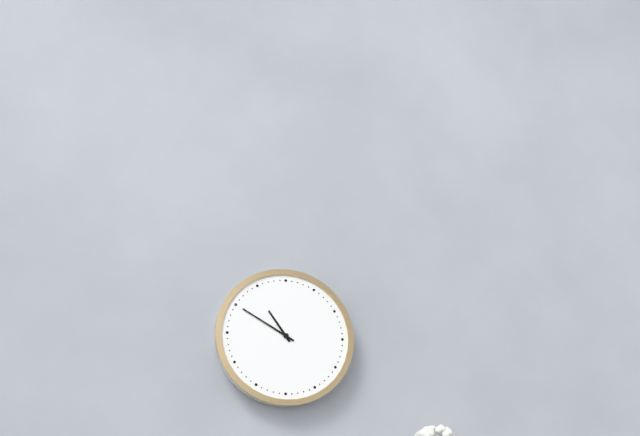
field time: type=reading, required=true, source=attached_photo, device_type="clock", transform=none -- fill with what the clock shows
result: 10:50
